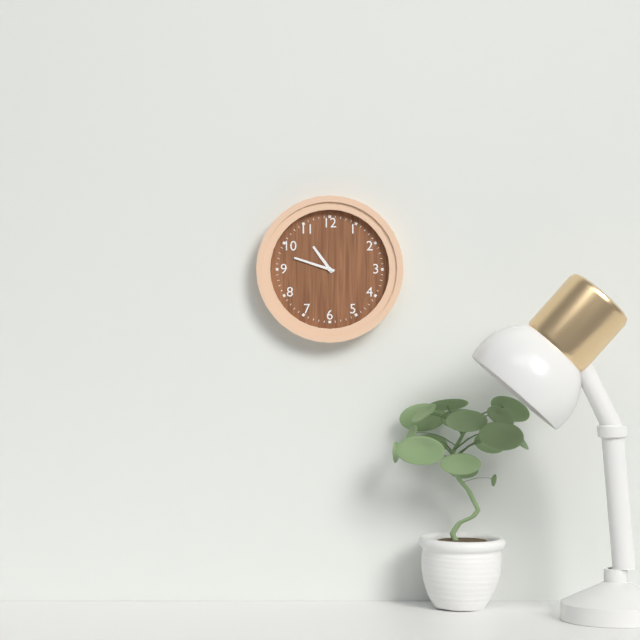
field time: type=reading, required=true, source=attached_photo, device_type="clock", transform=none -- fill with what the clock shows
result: 10:48
